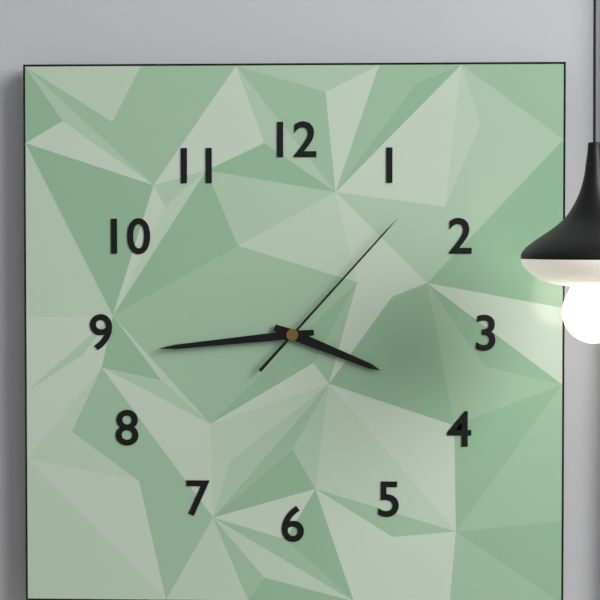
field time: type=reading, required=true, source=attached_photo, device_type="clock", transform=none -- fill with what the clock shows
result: 3:44:07
